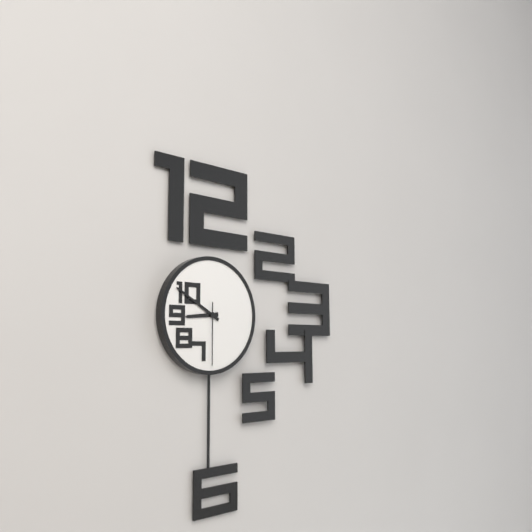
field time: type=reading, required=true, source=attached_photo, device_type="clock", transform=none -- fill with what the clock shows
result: 8:50:30
